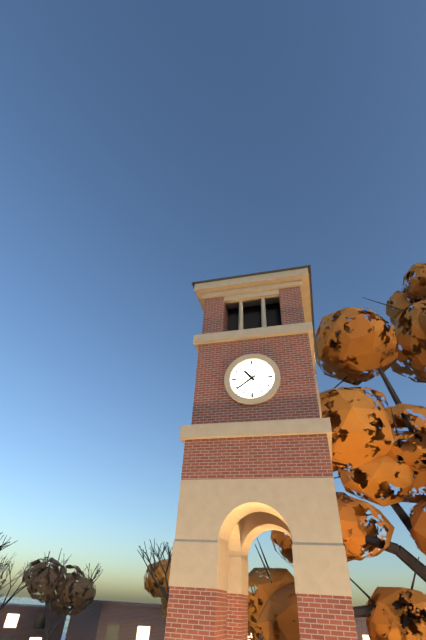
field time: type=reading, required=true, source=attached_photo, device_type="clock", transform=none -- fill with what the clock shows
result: 10:39
